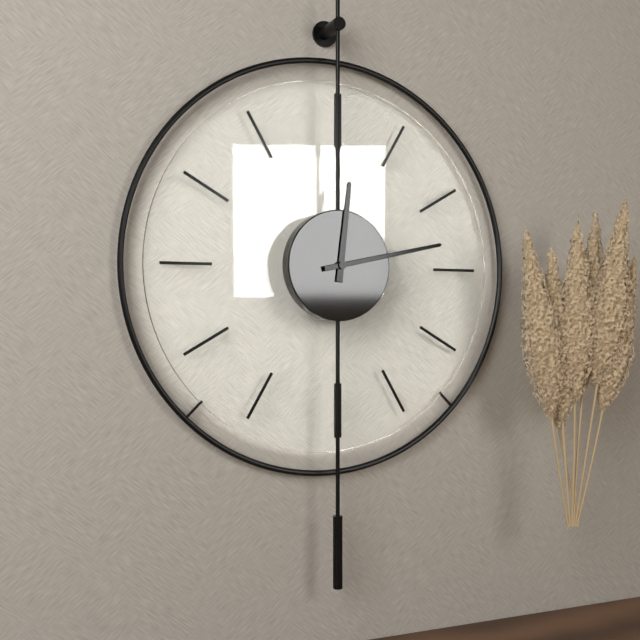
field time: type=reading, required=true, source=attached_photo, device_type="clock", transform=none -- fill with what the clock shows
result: 12:13
